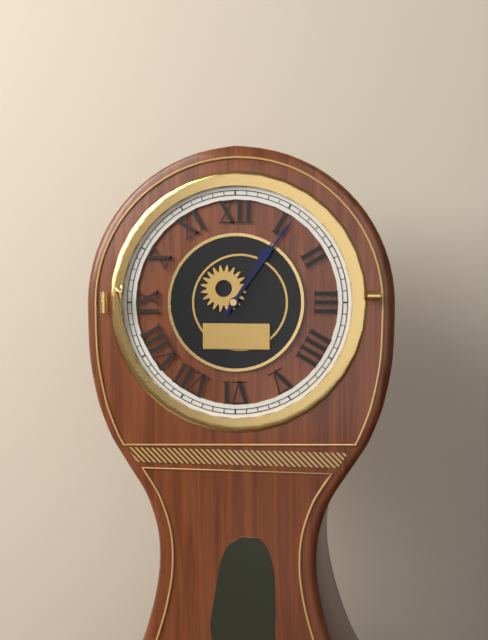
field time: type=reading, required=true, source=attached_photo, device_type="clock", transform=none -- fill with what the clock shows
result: 1:06
